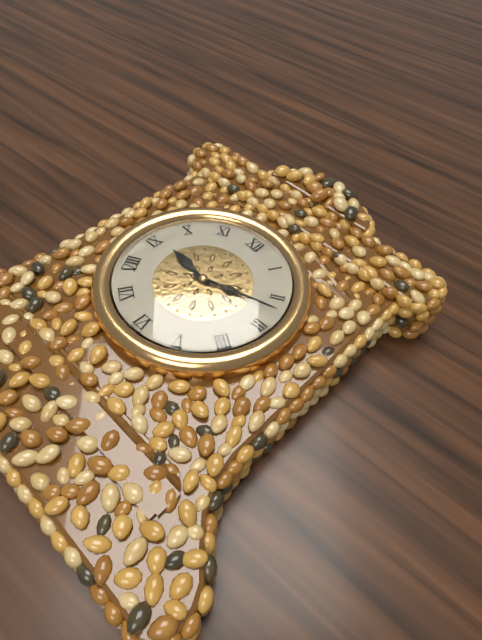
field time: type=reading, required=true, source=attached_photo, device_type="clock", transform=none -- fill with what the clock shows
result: 9:12
